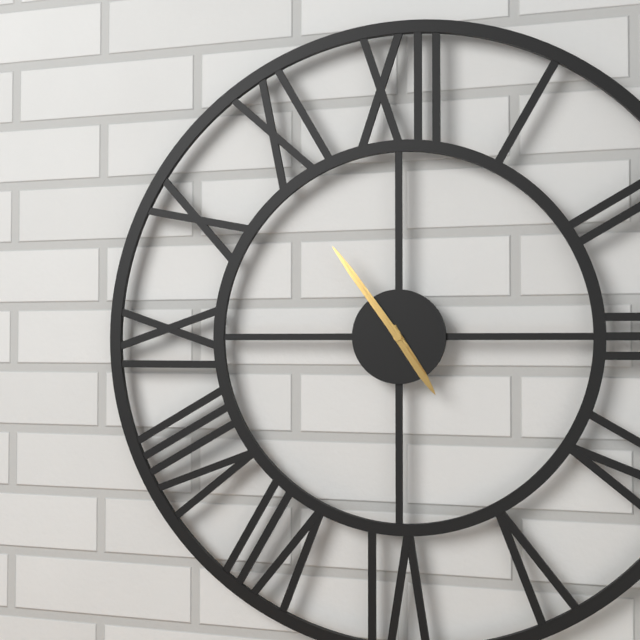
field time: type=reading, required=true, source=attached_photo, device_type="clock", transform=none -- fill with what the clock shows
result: 4:54:54
